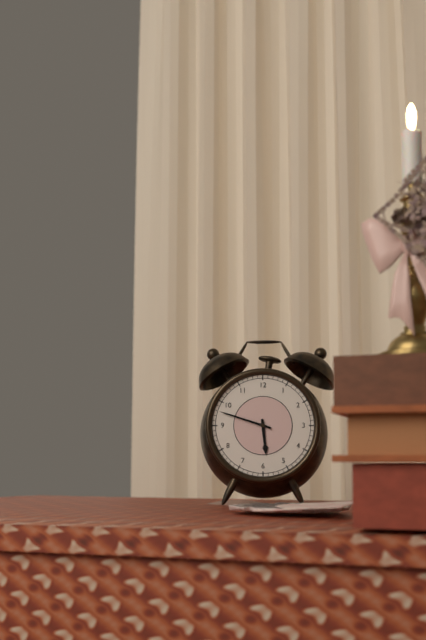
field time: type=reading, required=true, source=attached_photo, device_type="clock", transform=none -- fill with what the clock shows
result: 5:48
